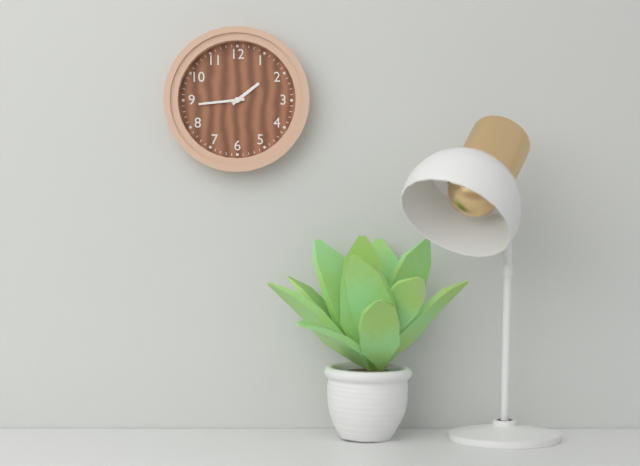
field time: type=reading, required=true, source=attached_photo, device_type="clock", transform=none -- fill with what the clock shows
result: 1:44
